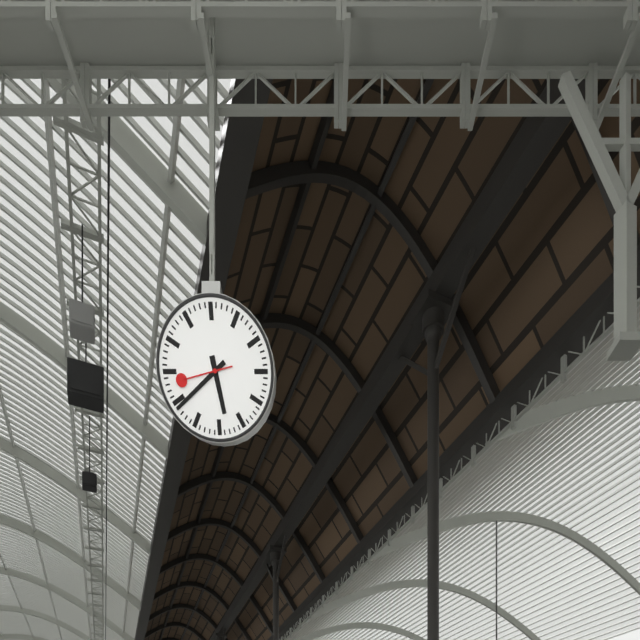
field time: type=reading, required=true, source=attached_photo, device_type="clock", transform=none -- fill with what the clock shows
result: 5:39:43
